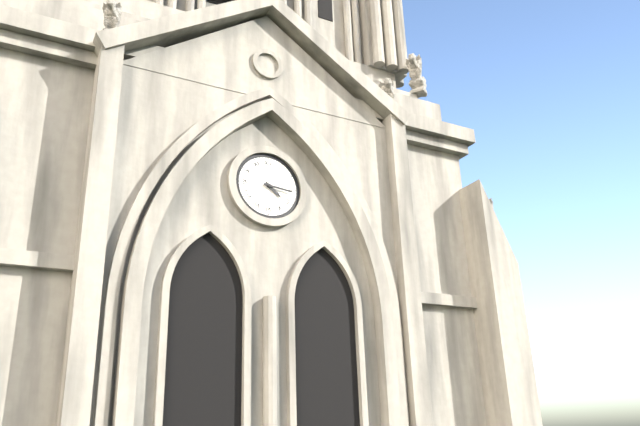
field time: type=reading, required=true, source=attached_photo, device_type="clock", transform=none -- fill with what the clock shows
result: 4:16
